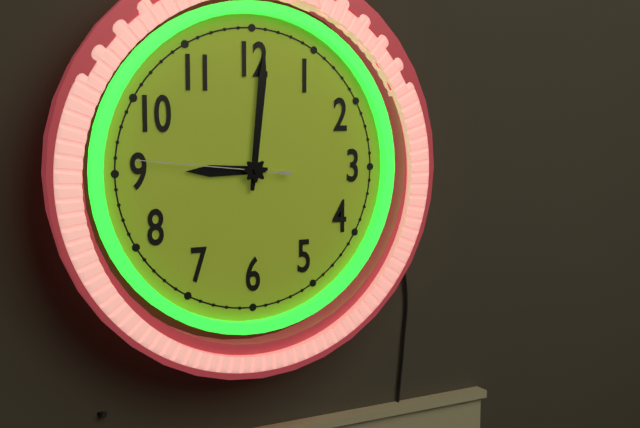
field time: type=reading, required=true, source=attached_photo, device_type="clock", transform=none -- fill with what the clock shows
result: 9:01:46
